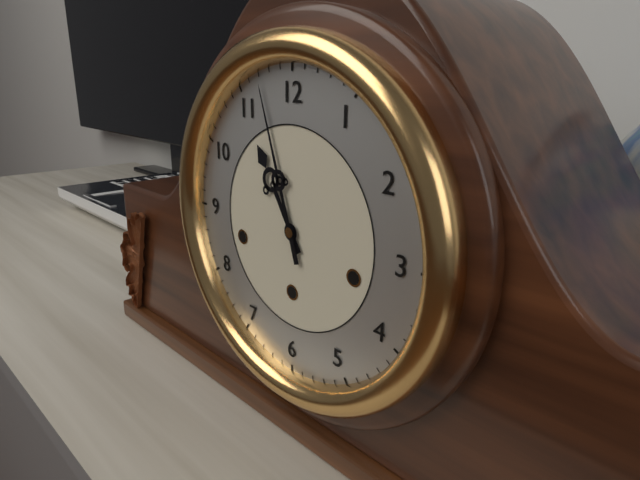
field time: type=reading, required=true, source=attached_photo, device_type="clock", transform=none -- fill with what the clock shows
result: 10:57
